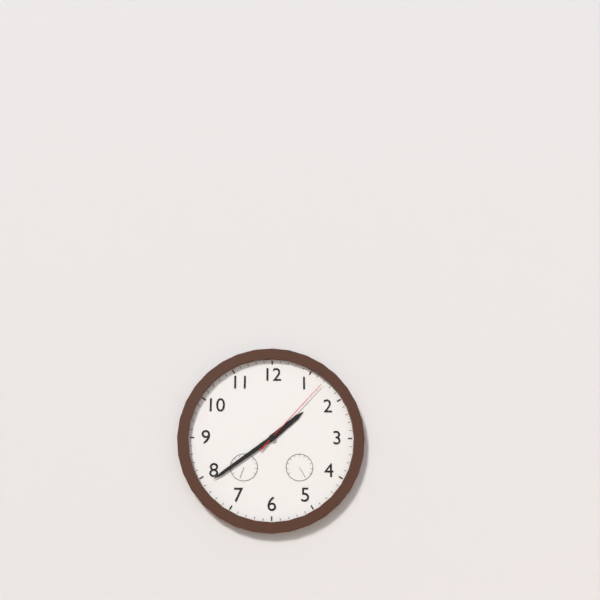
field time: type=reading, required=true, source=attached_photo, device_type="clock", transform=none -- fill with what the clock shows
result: 1:39:07
